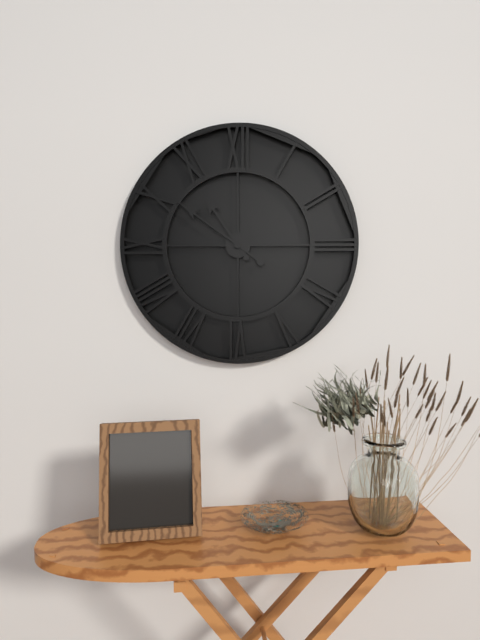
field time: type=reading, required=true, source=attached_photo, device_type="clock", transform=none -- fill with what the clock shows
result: 10:51
